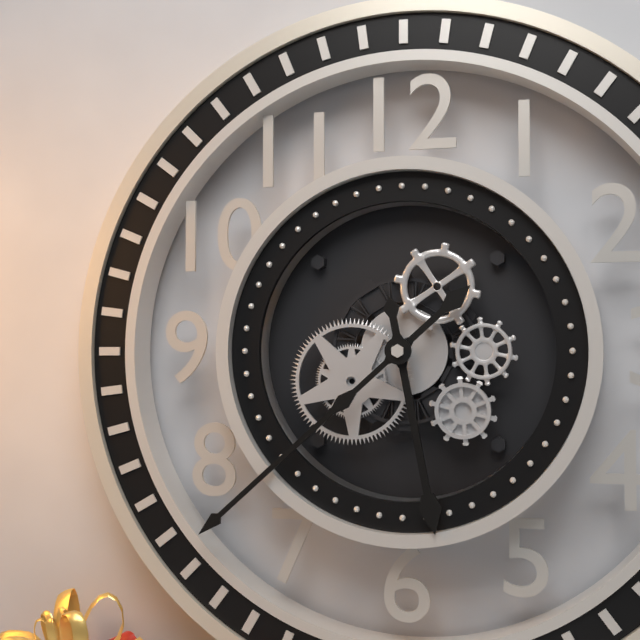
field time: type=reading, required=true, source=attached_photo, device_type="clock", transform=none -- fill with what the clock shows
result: 5:38
